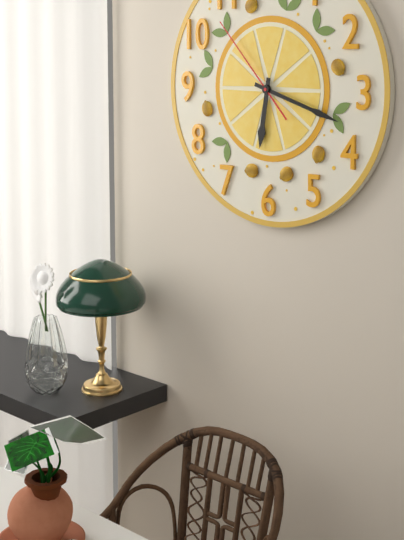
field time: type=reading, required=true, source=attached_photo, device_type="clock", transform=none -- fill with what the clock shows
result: 6:18:53
